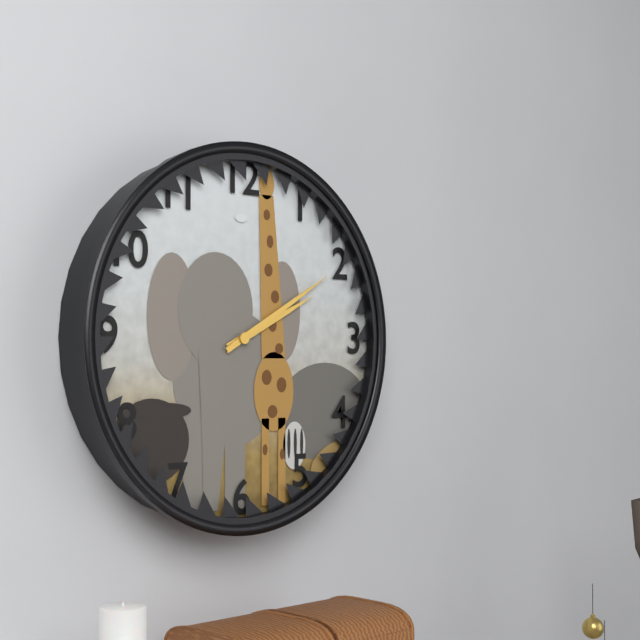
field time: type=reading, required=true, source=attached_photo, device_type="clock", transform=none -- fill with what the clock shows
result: 2:10
